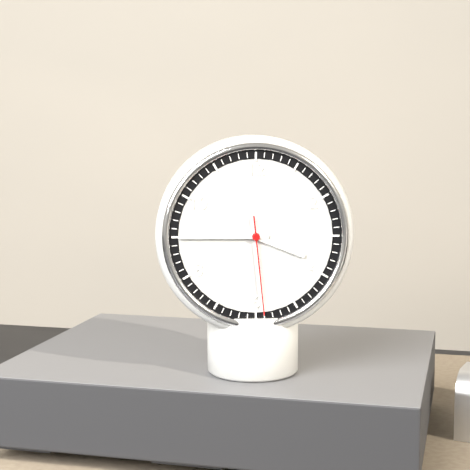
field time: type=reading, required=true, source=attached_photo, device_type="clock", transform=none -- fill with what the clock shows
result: 3:45:29
